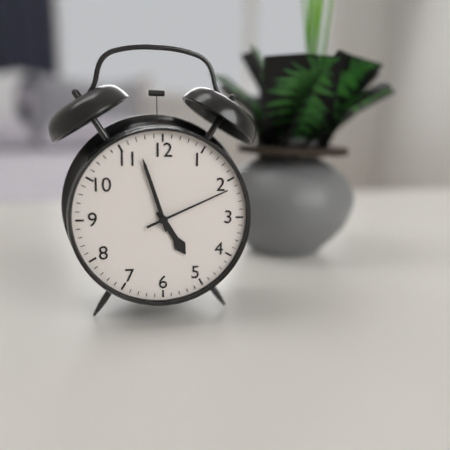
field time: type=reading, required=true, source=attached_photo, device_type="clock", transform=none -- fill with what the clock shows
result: 4:57:11
